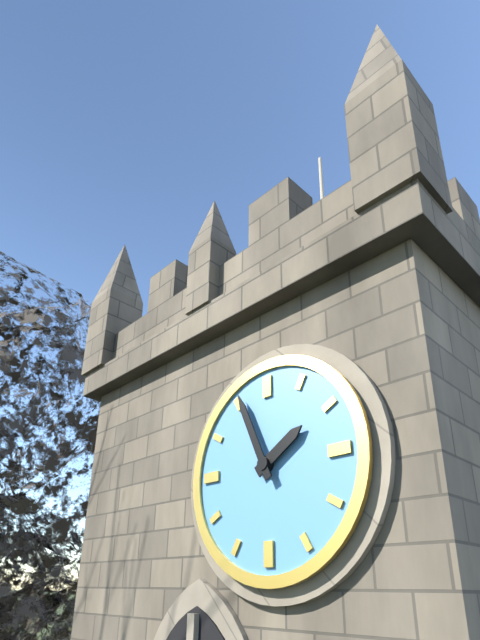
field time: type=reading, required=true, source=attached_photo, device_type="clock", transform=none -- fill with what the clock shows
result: 1:56
